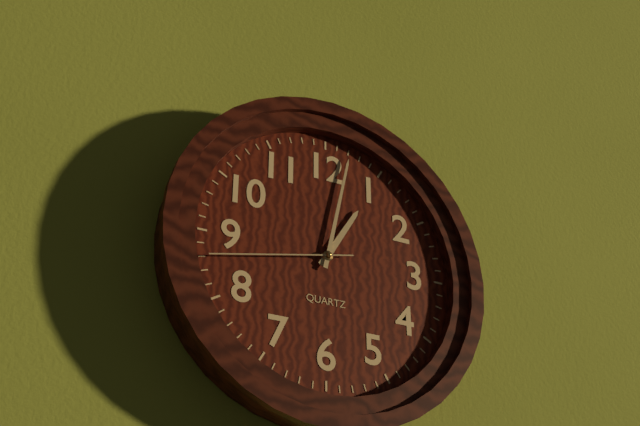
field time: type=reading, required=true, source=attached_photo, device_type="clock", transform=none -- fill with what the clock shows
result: 1:02:43
